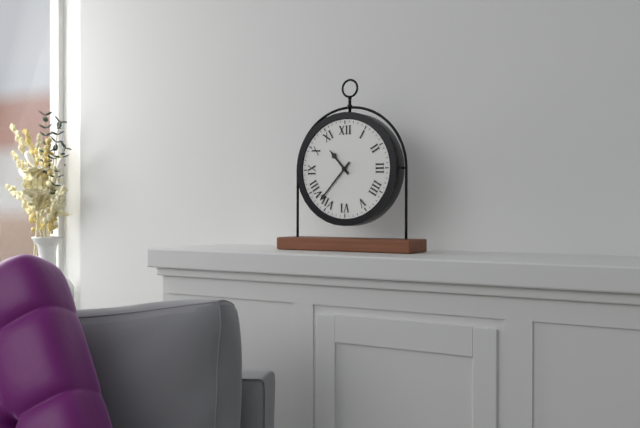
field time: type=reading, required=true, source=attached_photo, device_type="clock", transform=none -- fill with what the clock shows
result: 10:37
